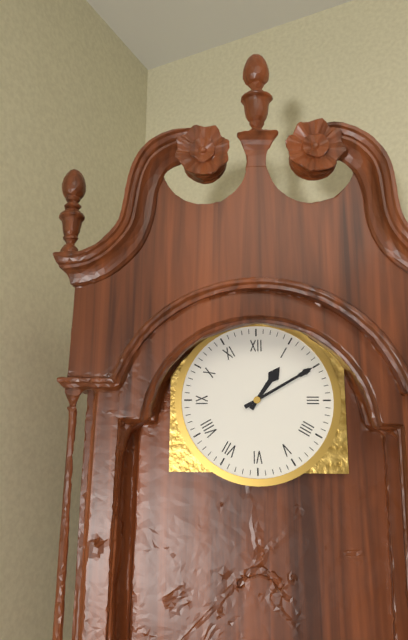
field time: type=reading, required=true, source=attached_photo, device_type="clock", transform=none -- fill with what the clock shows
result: 1:10
